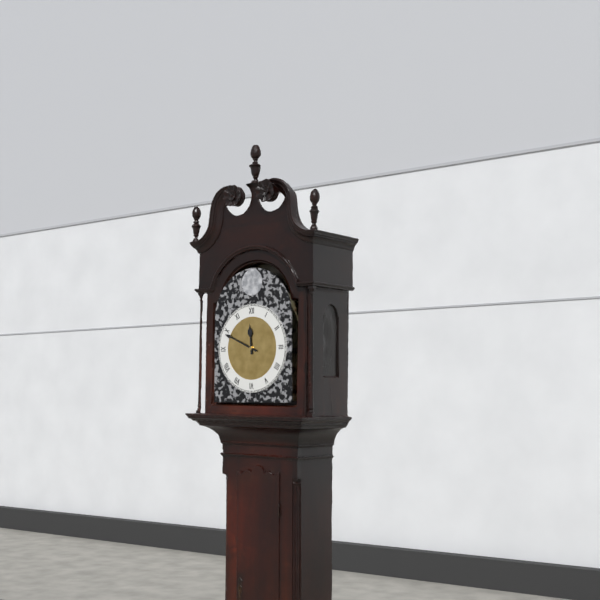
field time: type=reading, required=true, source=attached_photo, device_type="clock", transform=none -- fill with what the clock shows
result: 11:49
